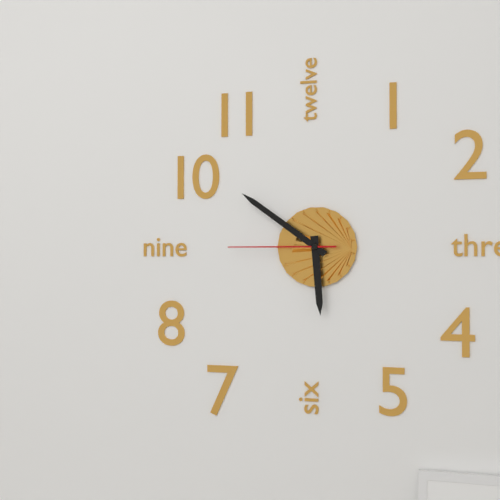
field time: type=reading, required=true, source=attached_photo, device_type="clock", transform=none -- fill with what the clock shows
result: 5:51:45
